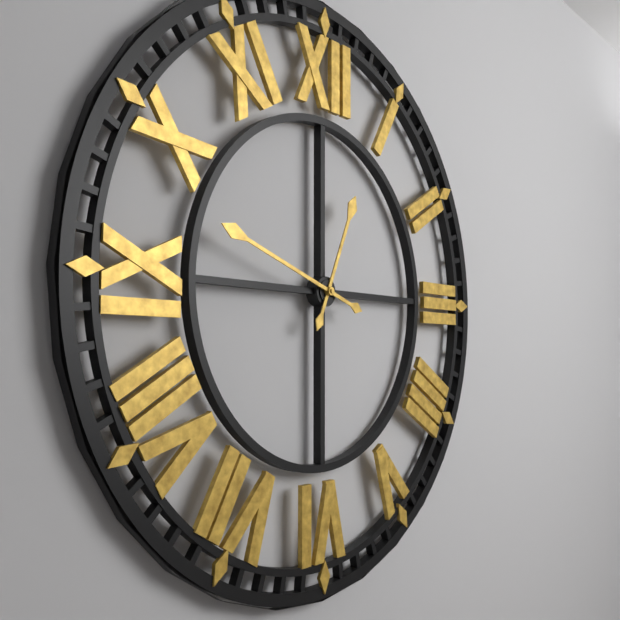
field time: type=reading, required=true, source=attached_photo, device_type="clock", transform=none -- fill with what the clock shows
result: 12:48
